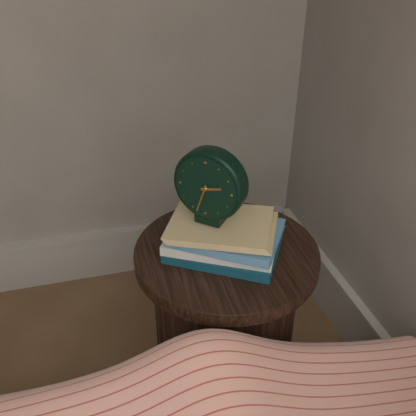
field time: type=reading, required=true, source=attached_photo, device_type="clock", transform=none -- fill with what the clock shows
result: 2:33
